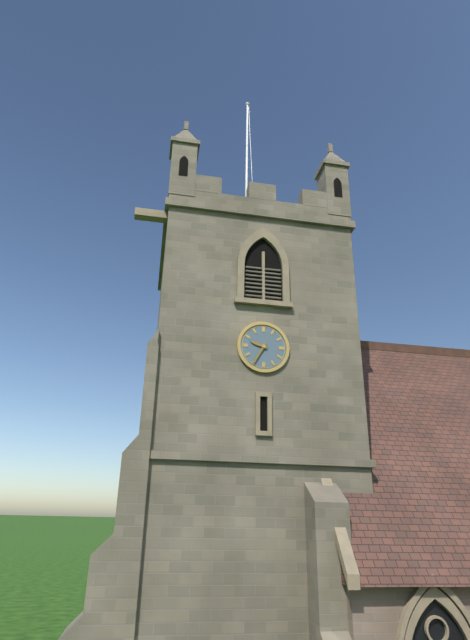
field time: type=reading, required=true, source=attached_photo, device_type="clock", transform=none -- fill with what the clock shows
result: 9:35
